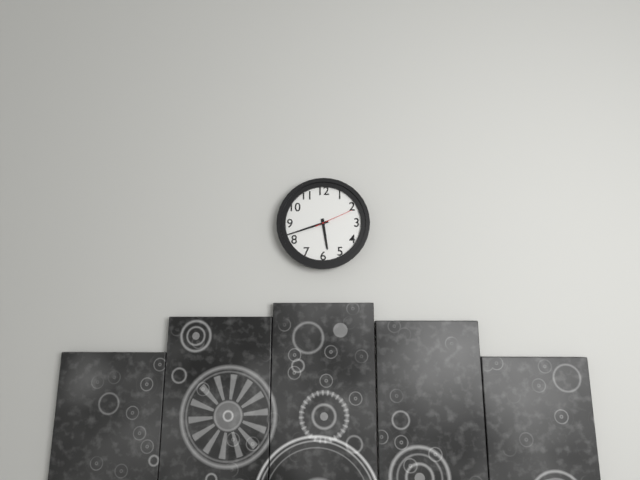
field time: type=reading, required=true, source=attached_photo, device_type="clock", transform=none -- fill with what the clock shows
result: 5:42
